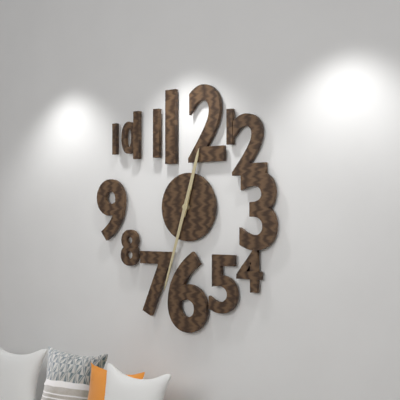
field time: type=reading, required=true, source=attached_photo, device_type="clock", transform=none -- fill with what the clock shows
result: 12:33
